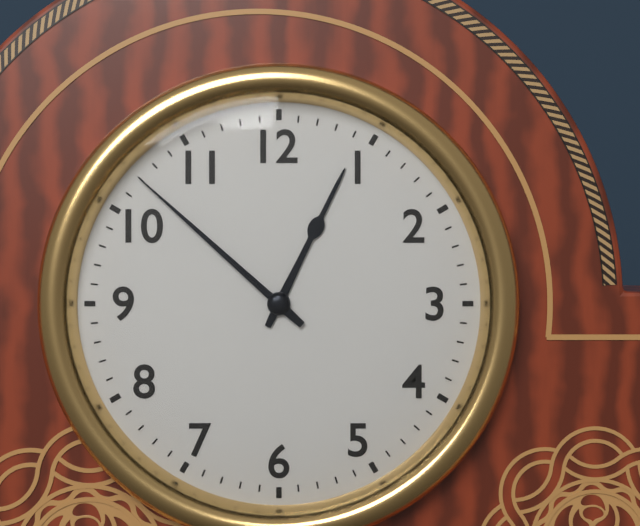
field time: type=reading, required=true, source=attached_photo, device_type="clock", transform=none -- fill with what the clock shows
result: 12:52
